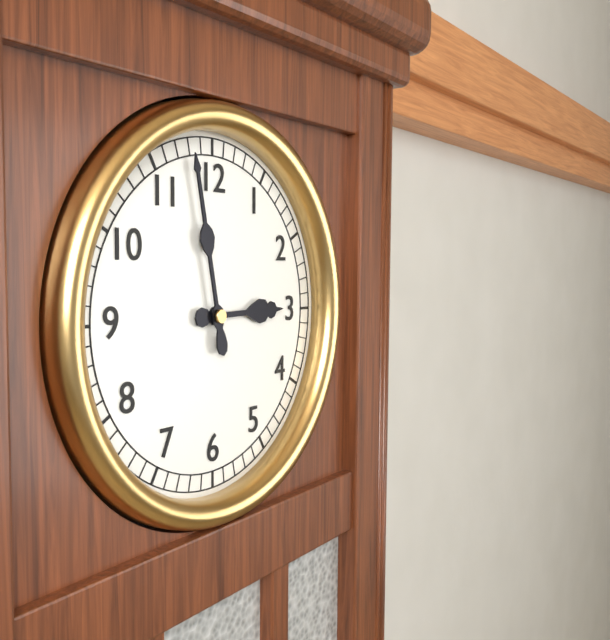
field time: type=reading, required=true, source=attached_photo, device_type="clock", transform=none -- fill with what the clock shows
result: 2:58
